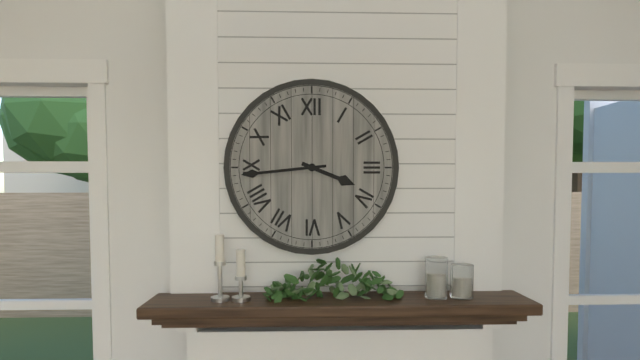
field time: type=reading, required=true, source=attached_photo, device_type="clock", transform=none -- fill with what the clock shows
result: 3:44
